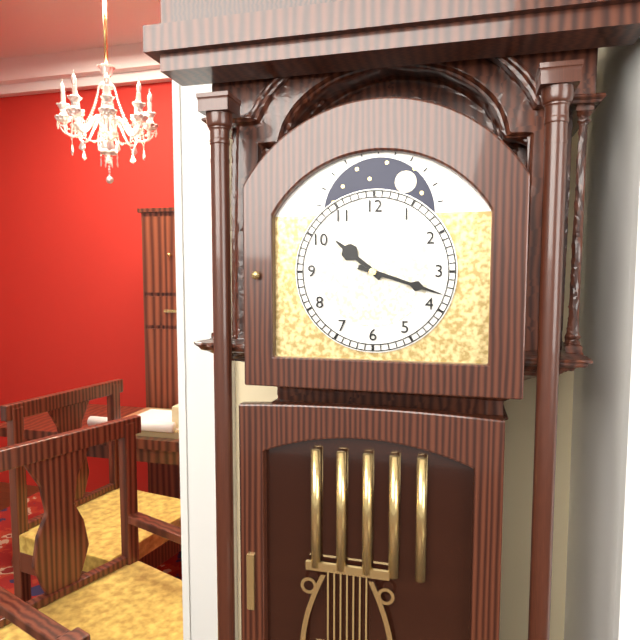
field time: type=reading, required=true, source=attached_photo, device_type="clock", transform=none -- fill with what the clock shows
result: 10:18
